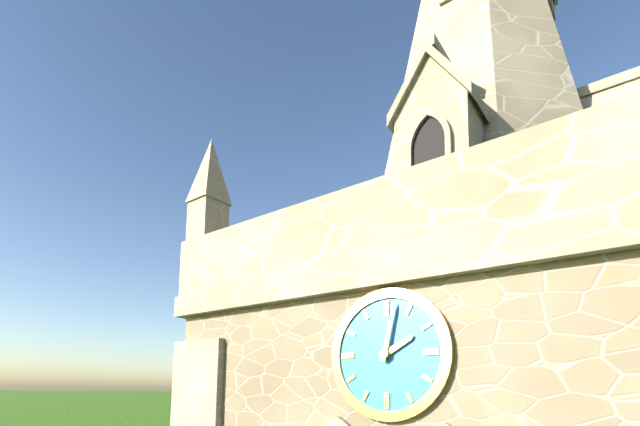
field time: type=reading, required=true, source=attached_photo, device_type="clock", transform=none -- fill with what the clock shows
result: 2:02
